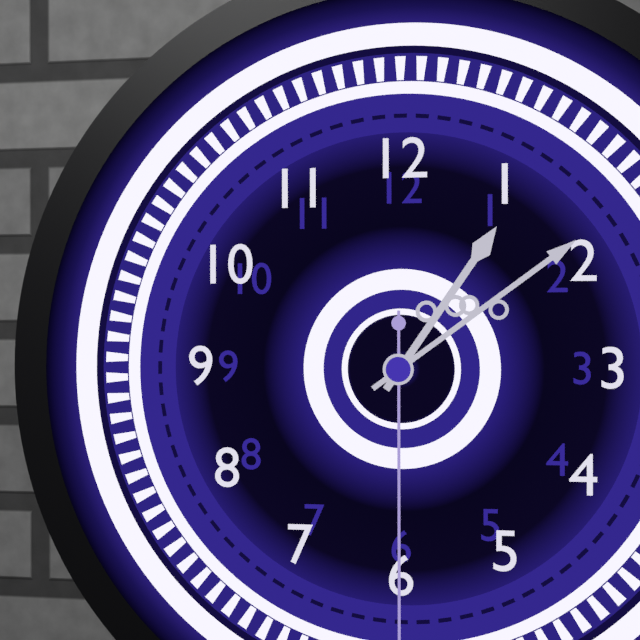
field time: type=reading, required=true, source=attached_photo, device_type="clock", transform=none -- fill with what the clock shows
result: 1:09
